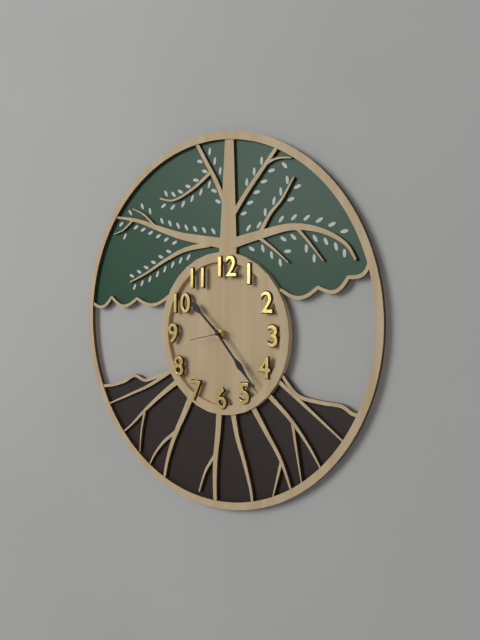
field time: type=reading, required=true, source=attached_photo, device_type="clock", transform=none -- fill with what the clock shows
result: 10:23
